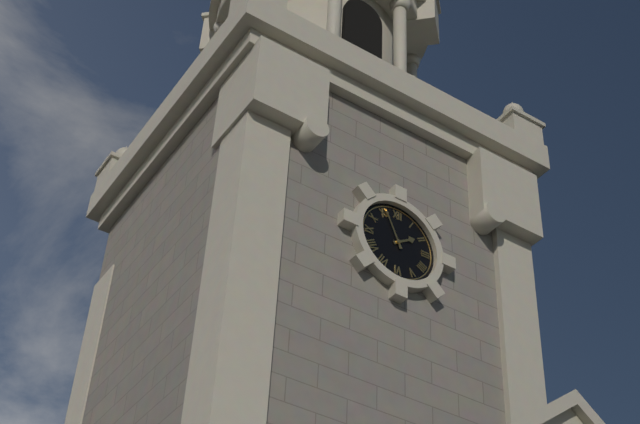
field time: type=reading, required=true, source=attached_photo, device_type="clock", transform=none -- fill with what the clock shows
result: 1:56
